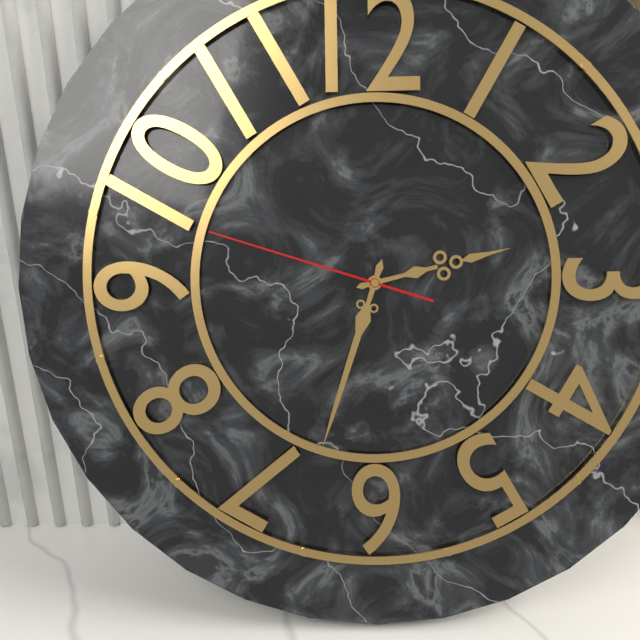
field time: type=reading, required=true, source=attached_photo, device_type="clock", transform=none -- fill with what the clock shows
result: 2:33:48
